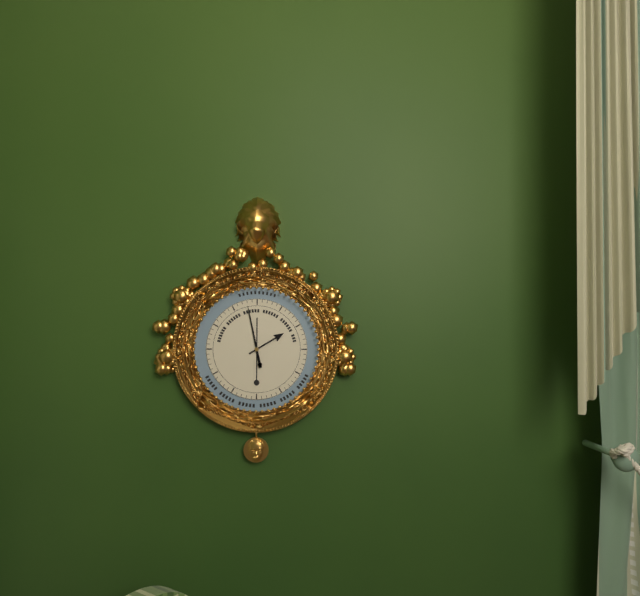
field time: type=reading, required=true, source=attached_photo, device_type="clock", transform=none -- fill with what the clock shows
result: 1:58
